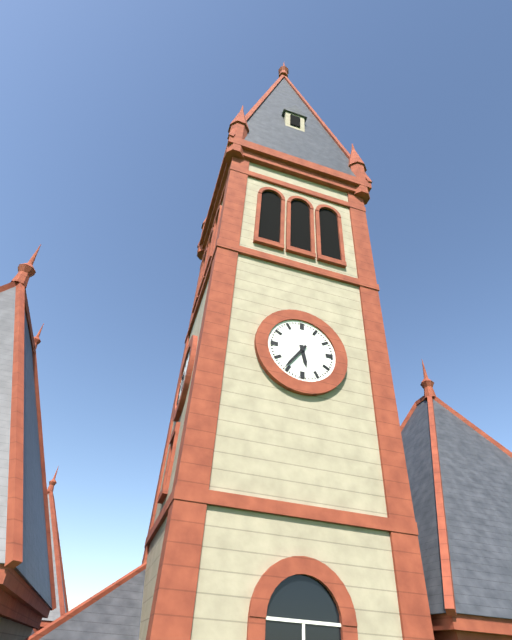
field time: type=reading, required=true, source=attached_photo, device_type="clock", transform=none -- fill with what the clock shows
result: 5:36
